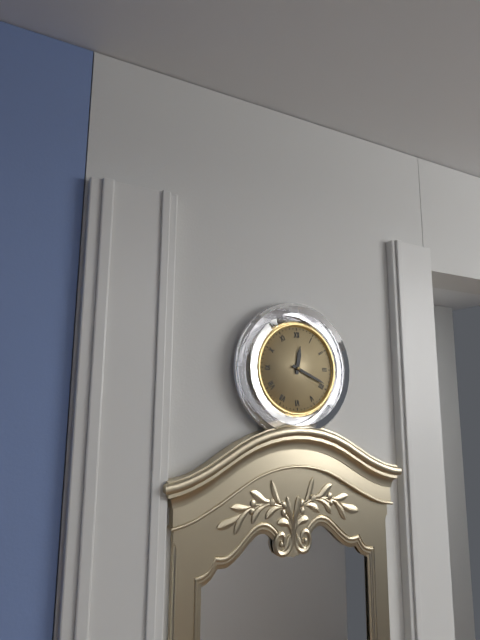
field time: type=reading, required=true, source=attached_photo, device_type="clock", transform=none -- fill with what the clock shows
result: 12:19
